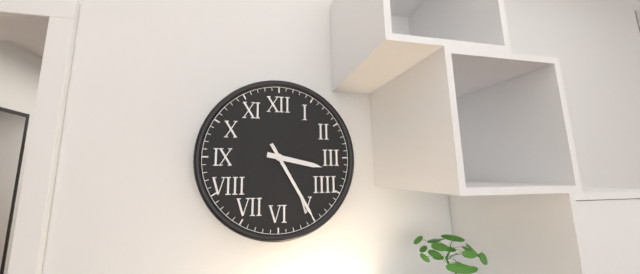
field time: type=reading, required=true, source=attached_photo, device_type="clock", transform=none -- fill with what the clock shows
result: 3:25
